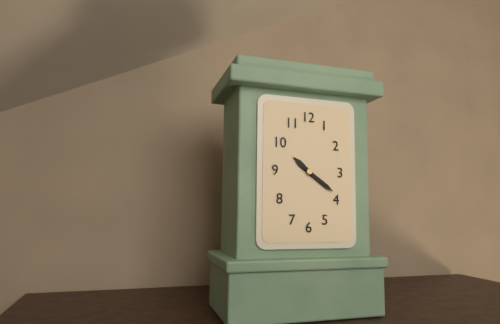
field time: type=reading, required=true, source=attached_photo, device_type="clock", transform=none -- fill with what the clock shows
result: 10:21
